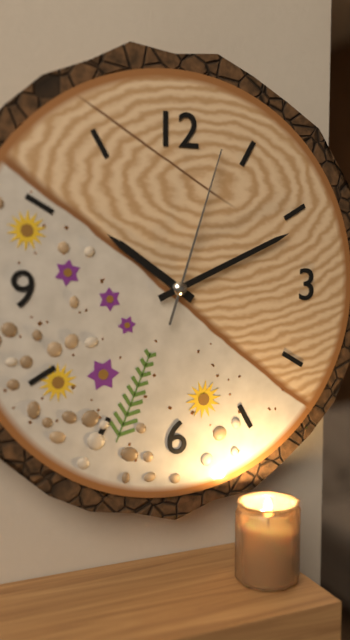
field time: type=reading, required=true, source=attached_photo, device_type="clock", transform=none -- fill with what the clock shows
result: 10:11:03
